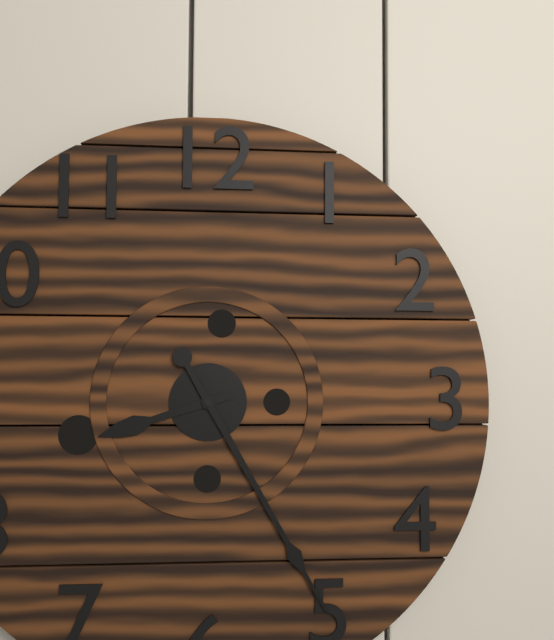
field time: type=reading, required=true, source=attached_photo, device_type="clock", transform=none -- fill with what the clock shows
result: 8:25
